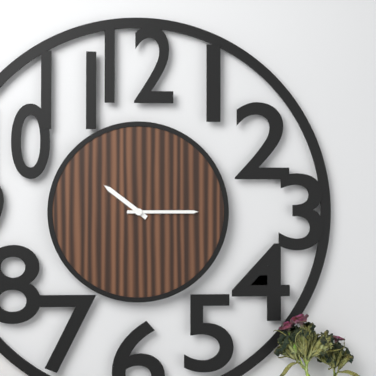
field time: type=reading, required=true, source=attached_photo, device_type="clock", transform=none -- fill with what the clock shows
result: 10:15
